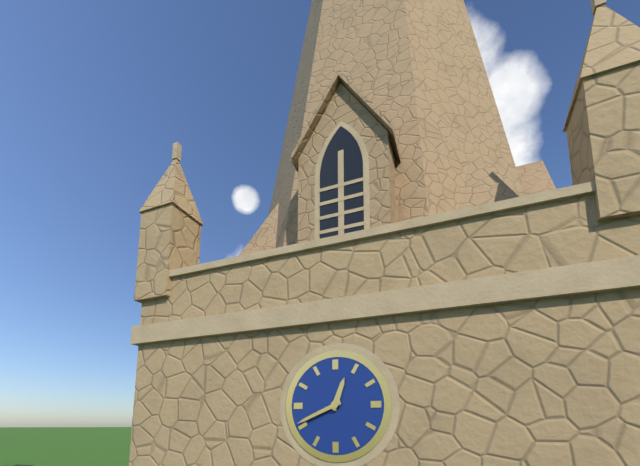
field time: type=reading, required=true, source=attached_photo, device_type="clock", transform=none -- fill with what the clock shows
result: 12:41
